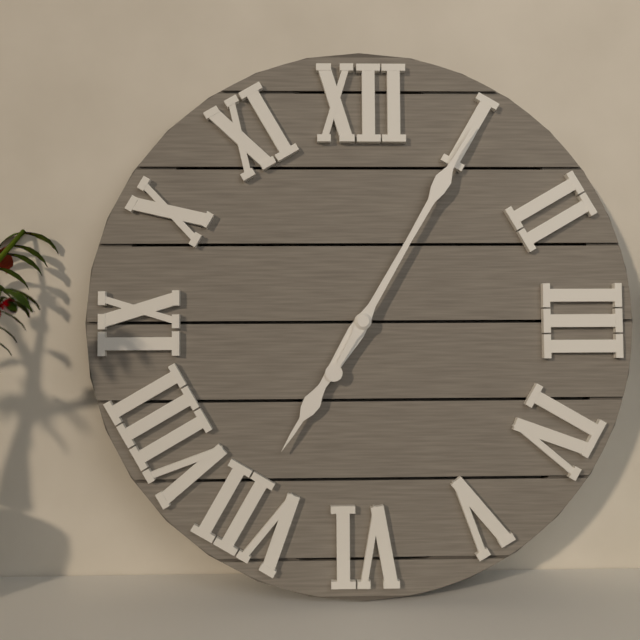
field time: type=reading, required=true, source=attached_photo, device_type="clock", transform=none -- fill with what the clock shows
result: 7:05
